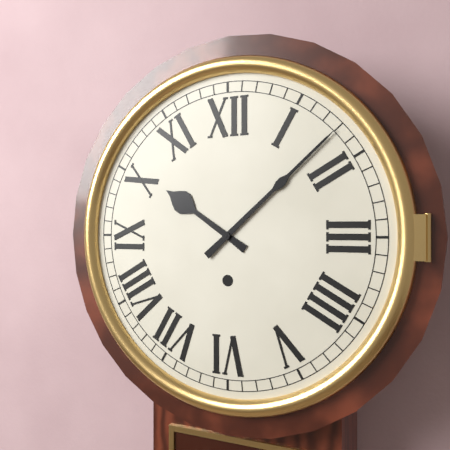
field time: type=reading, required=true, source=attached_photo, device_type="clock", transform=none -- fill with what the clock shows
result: 10:08
